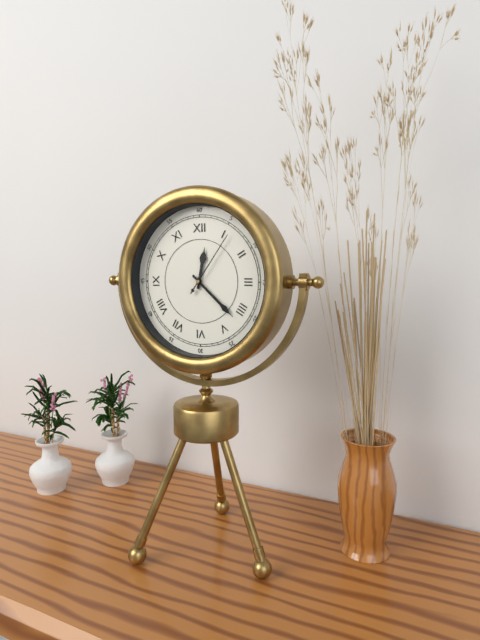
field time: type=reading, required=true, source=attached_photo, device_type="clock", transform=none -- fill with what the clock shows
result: 12:22:06
